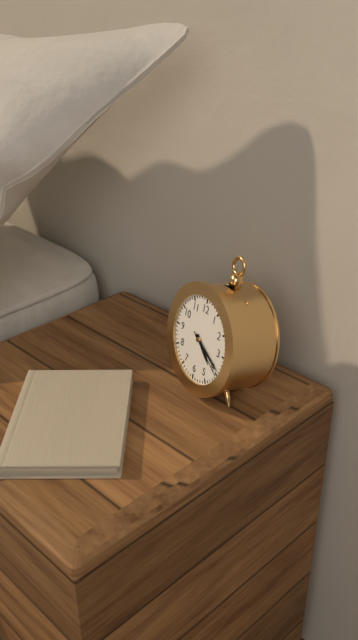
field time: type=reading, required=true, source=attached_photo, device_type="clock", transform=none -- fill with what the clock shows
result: 4:19
